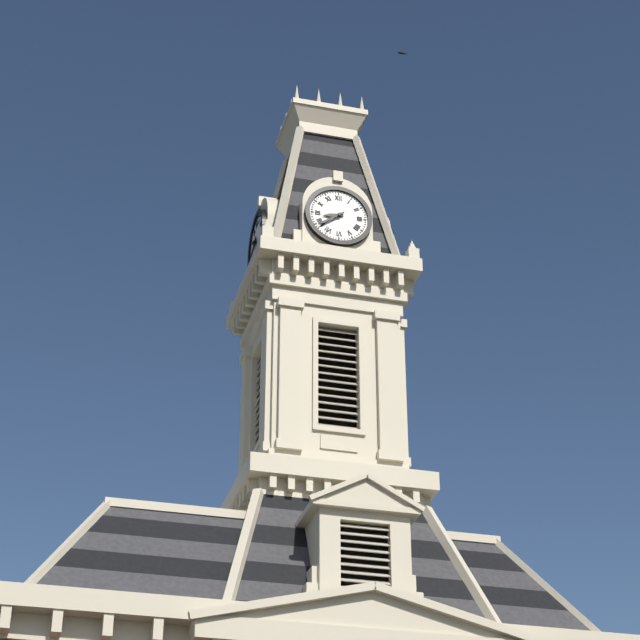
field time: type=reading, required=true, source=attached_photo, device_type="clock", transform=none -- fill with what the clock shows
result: 8:39
